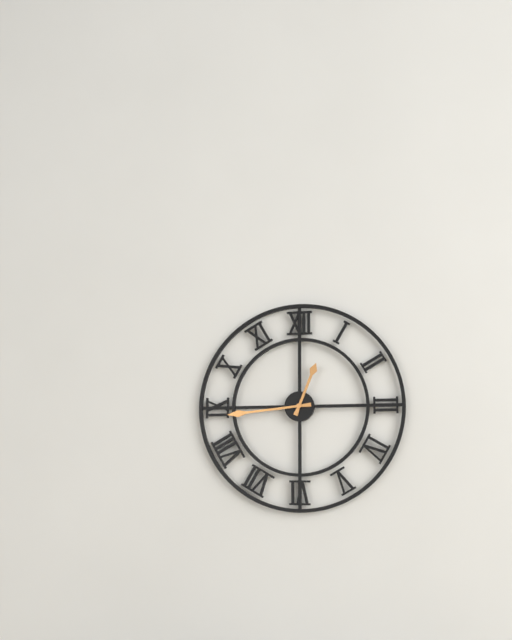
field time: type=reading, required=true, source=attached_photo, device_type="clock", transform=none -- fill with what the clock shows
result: 12:44
